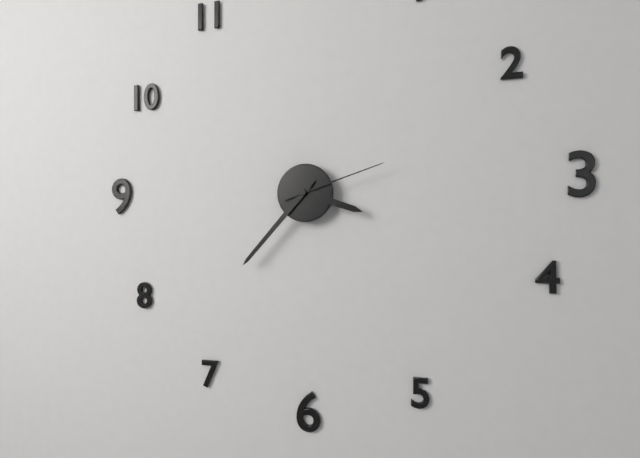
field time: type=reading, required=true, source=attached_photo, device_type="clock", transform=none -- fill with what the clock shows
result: 3:37:12
